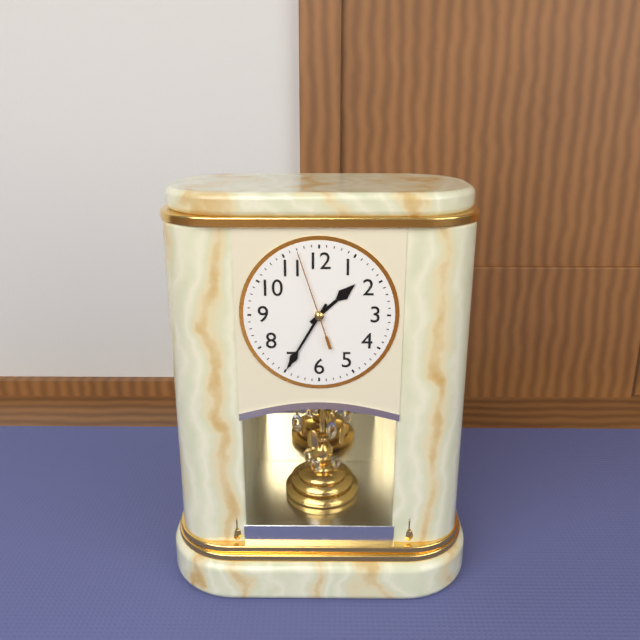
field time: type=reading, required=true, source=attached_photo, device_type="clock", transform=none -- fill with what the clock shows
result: 1:35:57
